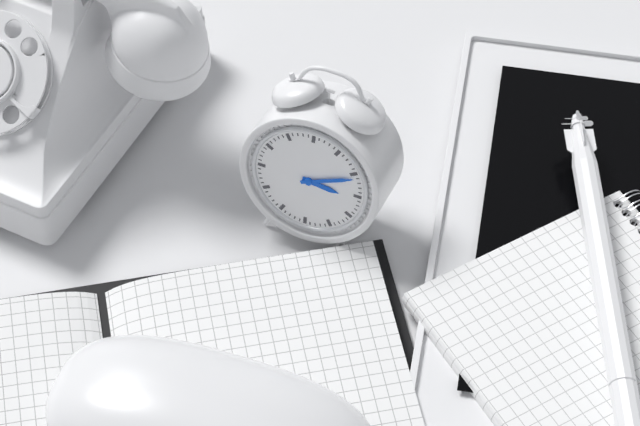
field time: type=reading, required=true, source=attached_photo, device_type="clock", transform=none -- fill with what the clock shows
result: 3:11
